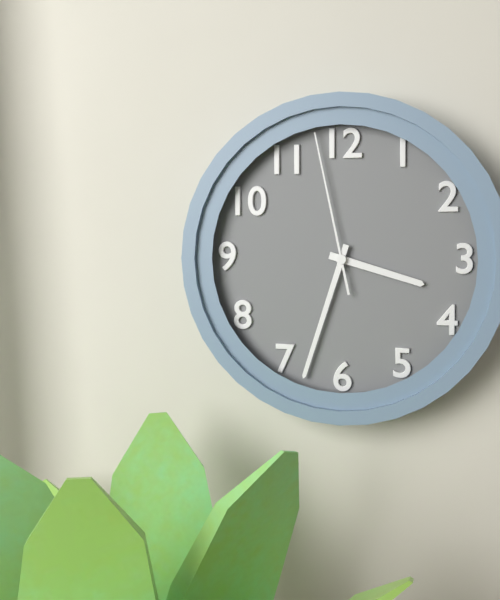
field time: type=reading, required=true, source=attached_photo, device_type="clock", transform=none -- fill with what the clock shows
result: 3:33:58
